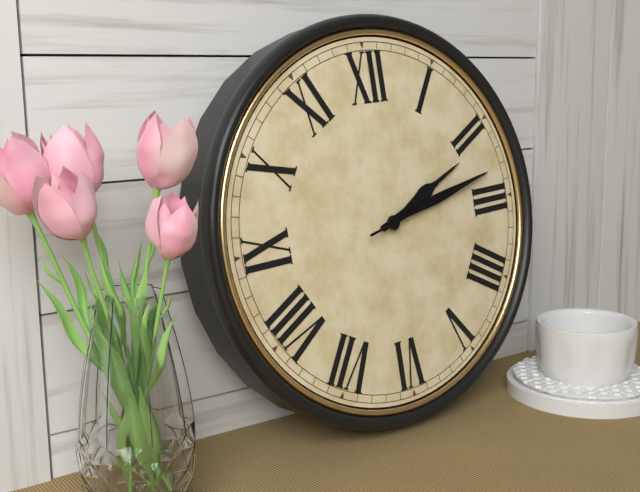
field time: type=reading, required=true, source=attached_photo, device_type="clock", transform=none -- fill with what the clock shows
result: 2:13:13
